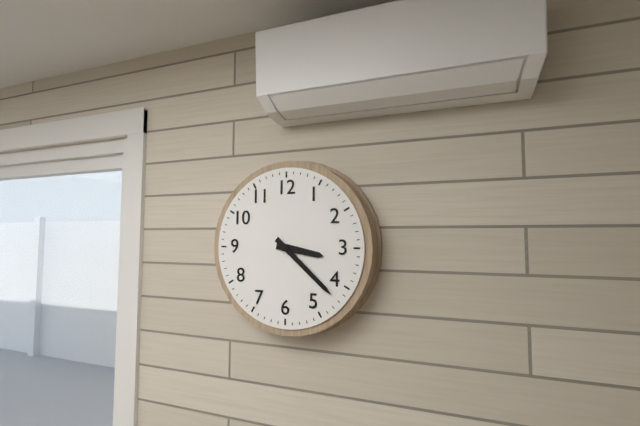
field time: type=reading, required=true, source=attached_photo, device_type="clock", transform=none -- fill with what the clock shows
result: 3:22
